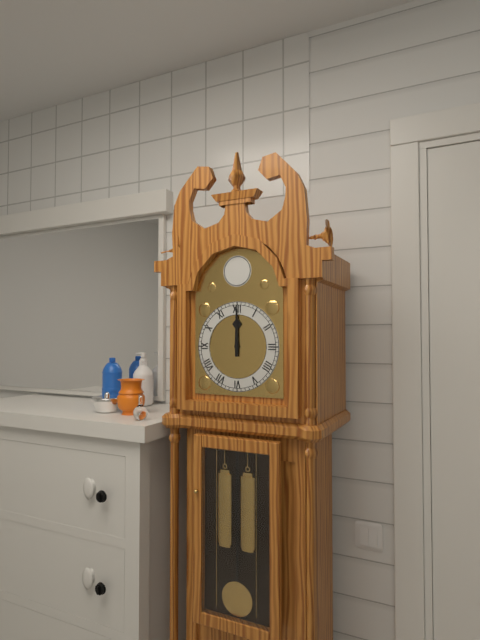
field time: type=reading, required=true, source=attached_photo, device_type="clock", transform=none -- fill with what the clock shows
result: 12:00
